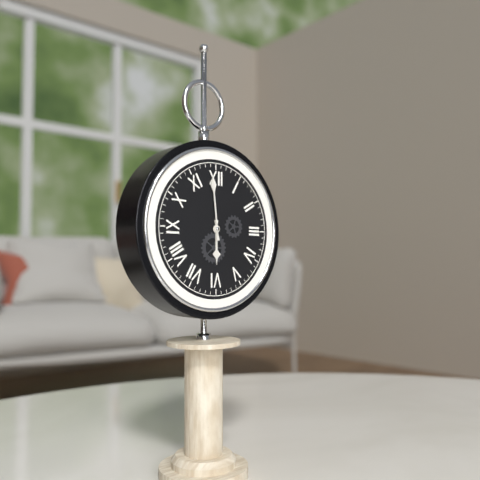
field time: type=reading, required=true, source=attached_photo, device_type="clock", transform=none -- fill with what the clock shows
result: 5:59
